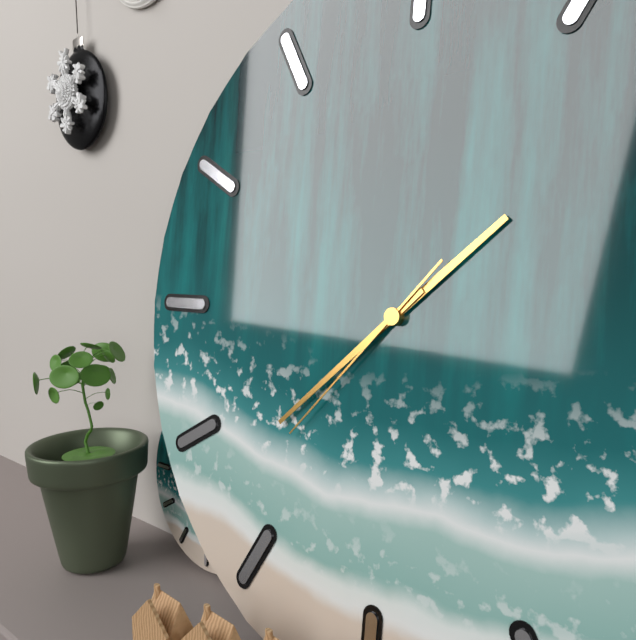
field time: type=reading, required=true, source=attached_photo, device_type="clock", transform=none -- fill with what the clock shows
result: 1:38:37
